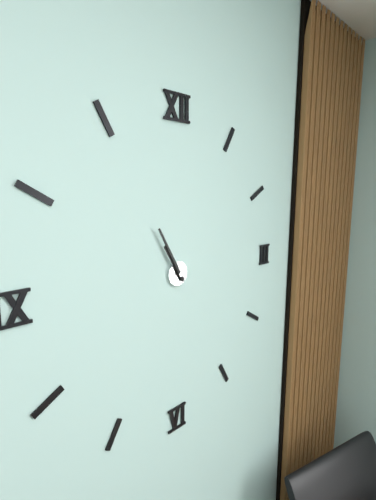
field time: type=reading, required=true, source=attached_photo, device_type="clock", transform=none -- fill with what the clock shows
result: 10:55
